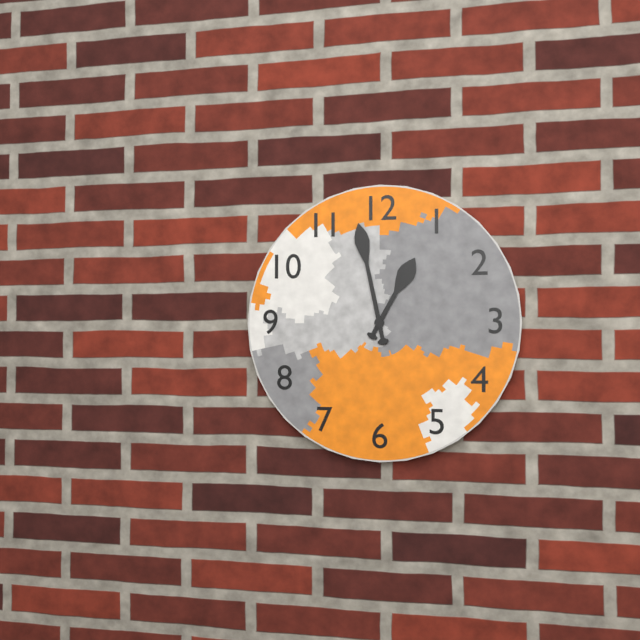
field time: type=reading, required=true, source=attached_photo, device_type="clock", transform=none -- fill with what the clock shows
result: 12:58
